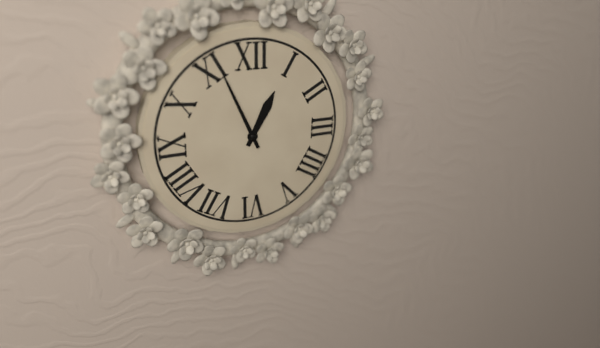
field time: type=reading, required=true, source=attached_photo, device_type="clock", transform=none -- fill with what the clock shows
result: 12:56
